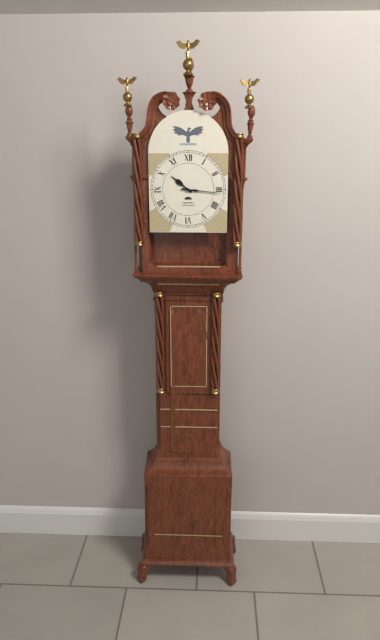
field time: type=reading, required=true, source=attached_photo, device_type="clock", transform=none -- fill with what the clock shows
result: 10:16
